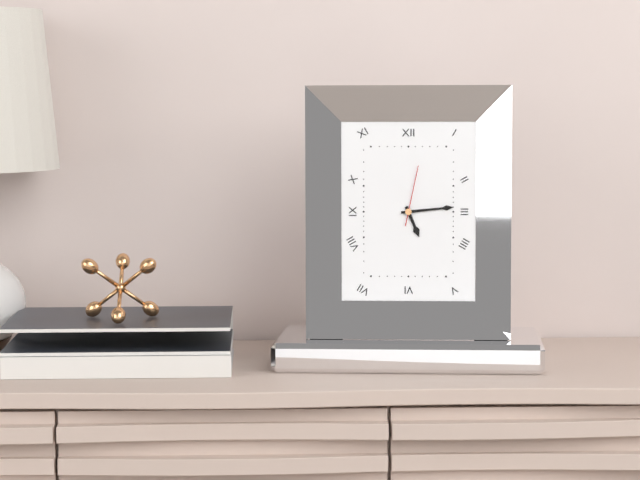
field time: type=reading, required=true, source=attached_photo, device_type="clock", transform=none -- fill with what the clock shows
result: 5:14:02
